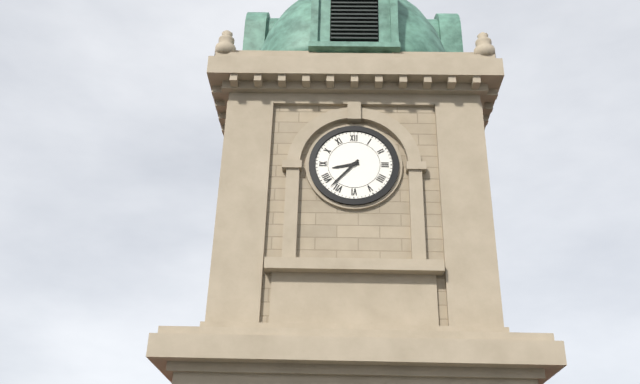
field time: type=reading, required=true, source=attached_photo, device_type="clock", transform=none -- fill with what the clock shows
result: 8:37
